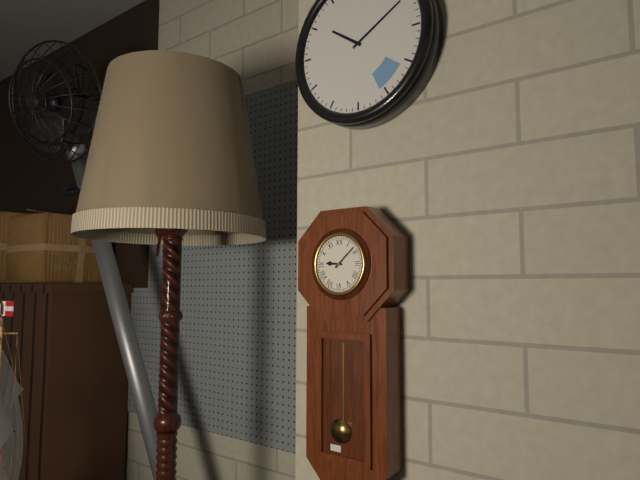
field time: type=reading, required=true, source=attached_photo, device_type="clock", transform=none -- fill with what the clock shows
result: 9:08
